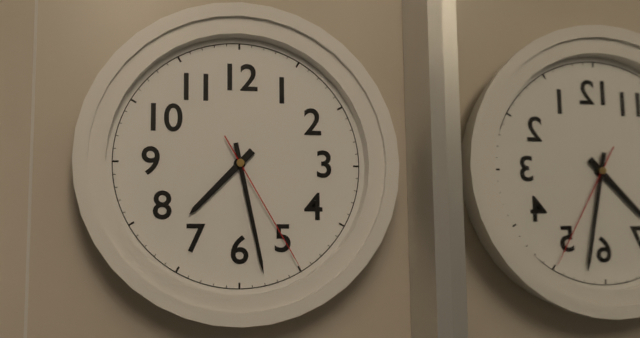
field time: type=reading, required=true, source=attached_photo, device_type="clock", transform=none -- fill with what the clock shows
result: 7:28:25
